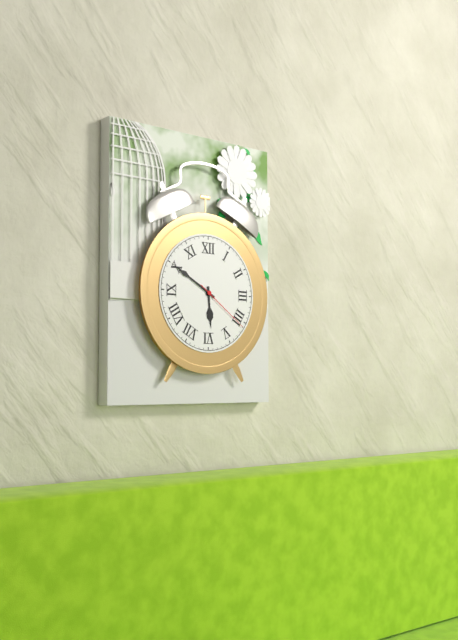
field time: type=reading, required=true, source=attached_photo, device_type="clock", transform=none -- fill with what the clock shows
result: 5:50:21
